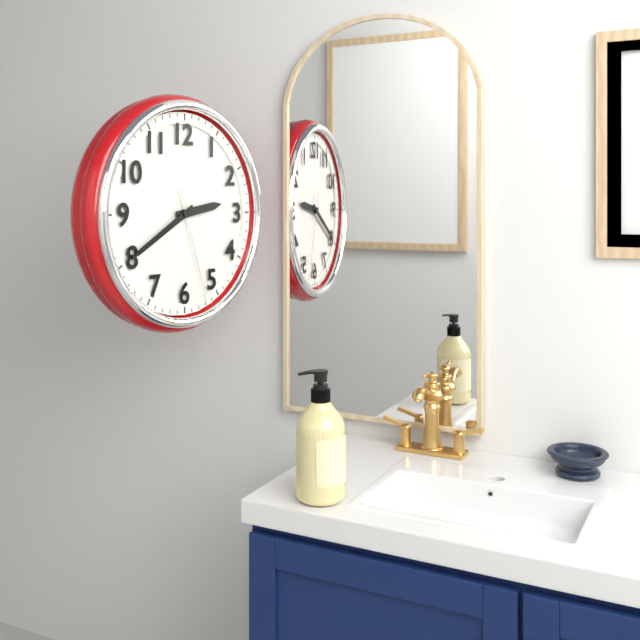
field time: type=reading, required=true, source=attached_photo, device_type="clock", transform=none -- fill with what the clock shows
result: 2:40:27
